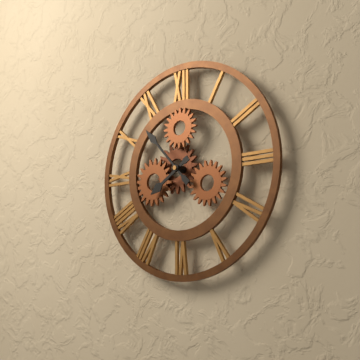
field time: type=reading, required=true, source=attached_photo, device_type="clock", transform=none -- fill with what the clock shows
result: 7:53
